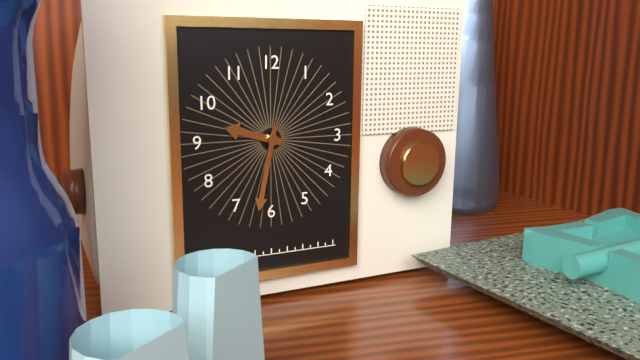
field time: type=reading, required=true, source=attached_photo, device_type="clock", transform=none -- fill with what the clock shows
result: 9:32
